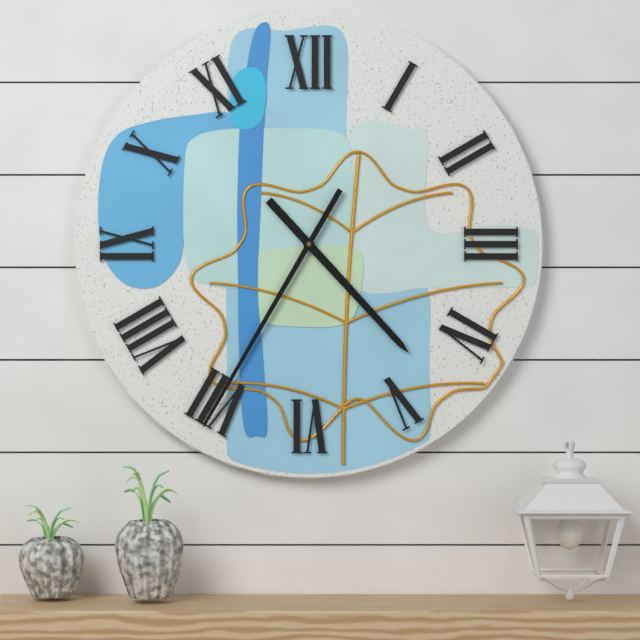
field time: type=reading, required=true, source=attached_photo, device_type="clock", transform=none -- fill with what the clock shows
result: 4:35
